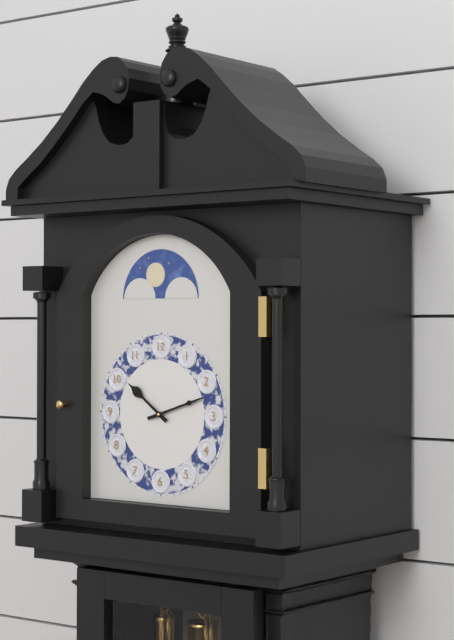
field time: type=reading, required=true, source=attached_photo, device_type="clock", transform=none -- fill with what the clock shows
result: 10:12
